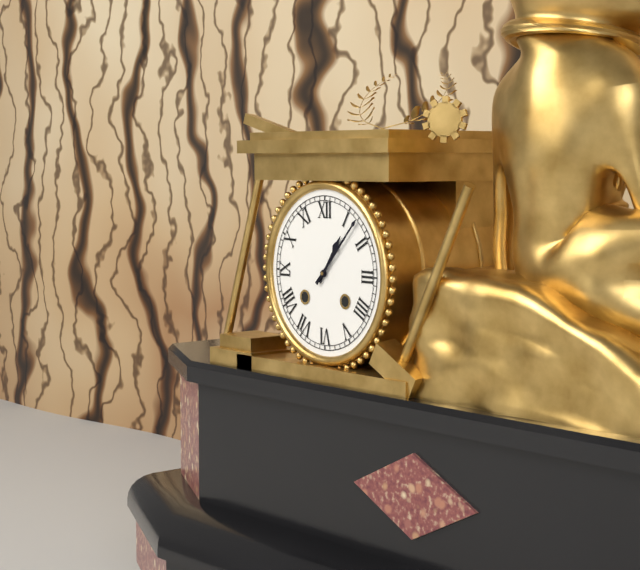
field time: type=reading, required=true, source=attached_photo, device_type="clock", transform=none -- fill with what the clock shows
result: 1:07
